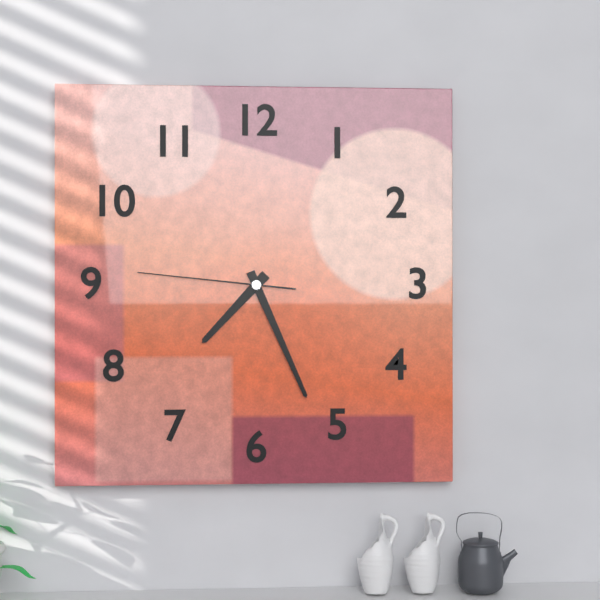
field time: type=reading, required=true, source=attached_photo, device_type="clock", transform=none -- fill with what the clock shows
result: 7:26:46
